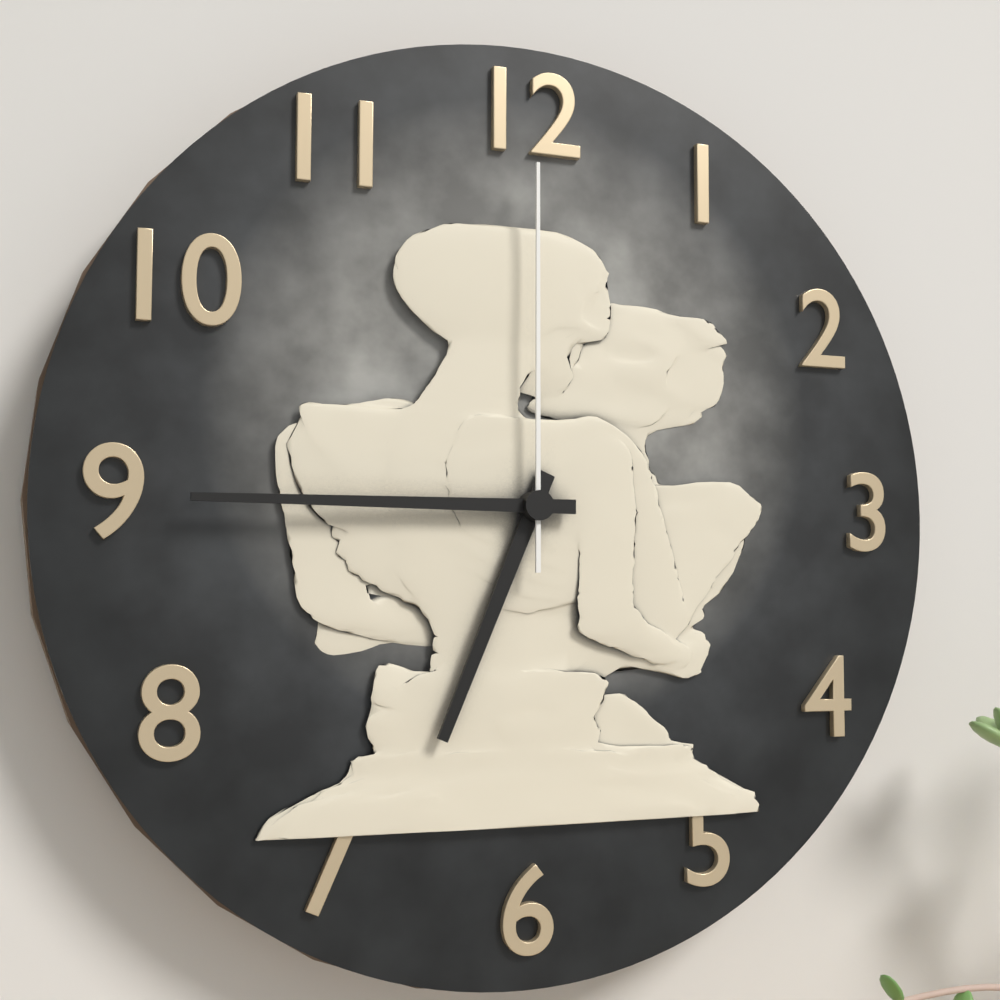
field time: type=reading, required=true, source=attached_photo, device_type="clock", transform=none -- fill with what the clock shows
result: 6:45:00
